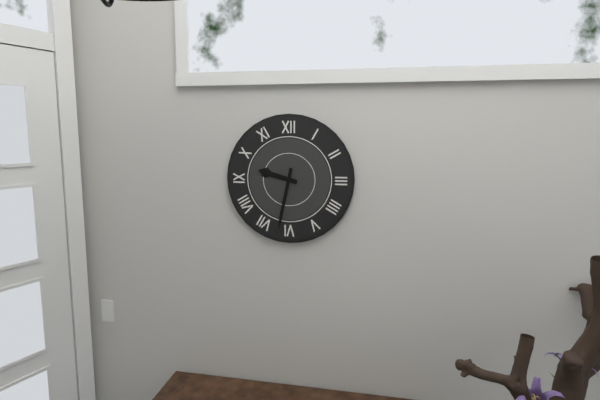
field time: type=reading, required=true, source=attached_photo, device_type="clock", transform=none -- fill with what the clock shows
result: 9:32
